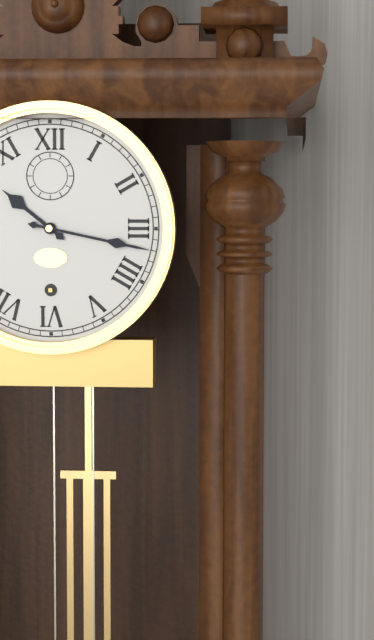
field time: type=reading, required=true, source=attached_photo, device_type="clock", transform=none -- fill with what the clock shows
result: 10:17
